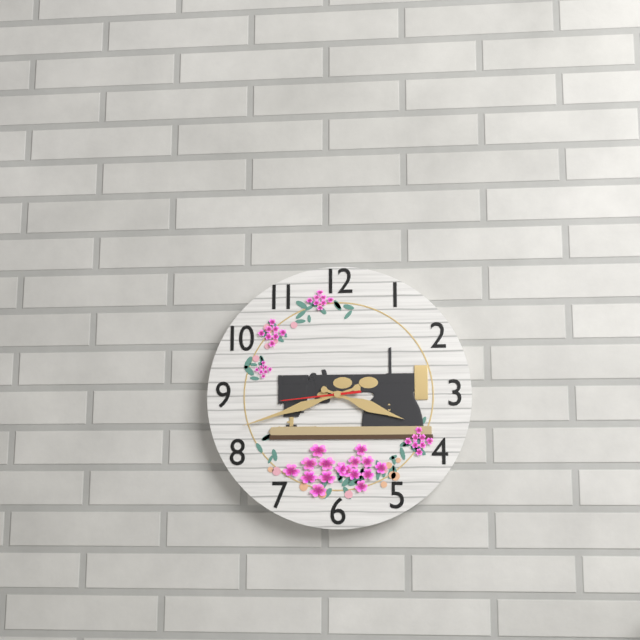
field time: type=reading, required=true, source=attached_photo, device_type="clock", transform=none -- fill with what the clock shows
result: 3:42:44
